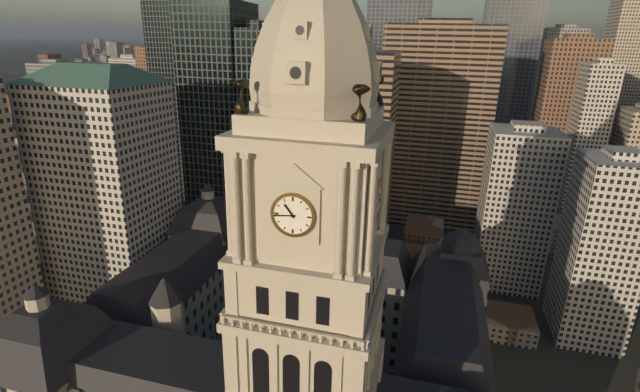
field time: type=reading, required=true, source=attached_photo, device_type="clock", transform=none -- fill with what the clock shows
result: 10:44
